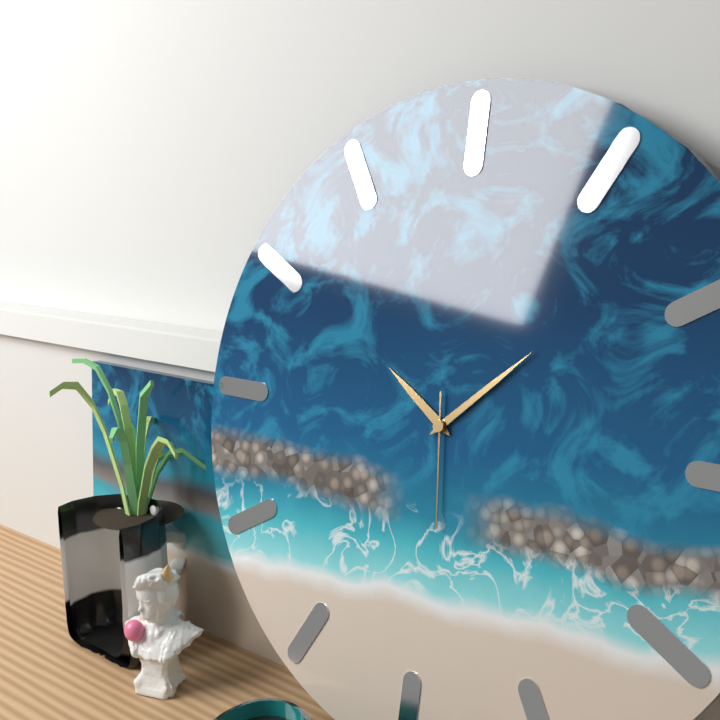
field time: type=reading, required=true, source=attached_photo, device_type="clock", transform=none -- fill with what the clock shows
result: 10:08:29
